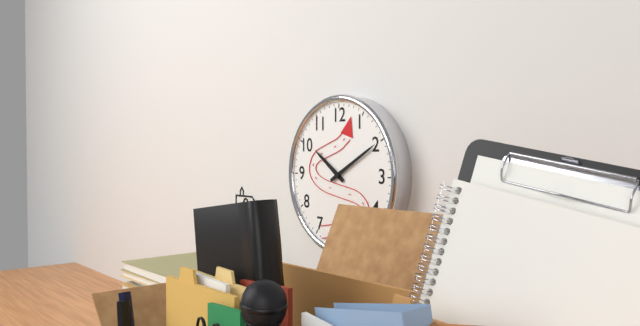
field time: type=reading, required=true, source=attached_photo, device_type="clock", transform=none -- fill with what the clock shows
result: 10:10
